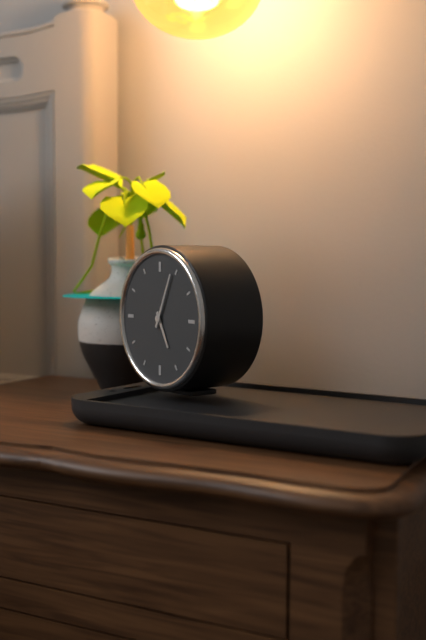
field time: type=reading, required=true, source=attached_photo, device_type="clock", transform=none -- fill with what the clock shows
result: 5:04
